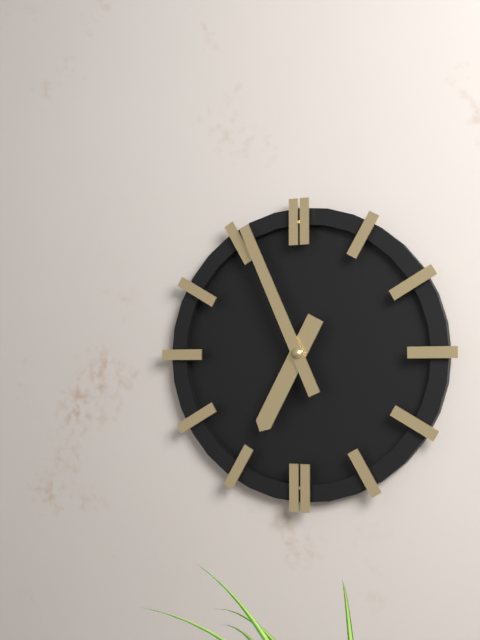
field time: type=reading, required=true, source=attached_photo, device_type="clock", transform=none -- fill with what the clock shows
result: 6:56
